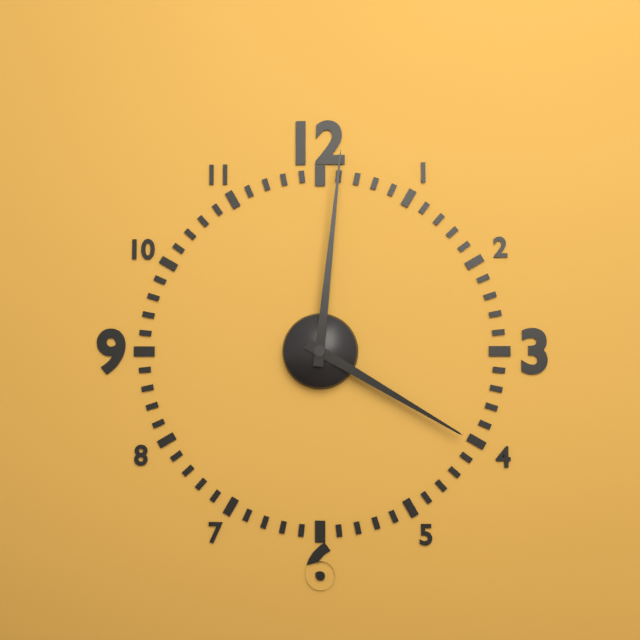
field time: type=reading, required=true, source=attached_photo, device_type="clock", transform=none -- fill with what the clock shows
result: 4:01
